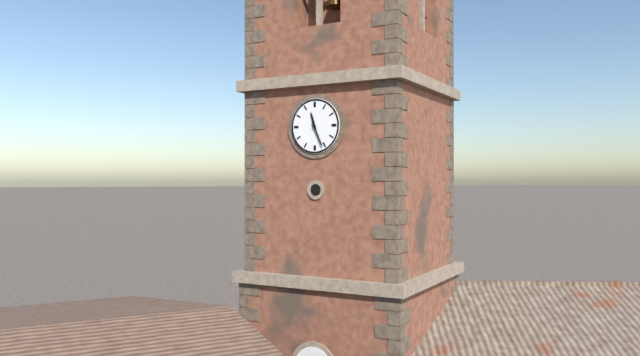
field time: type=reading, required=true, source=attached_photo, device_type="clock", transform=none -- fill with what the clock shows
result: 11:26
